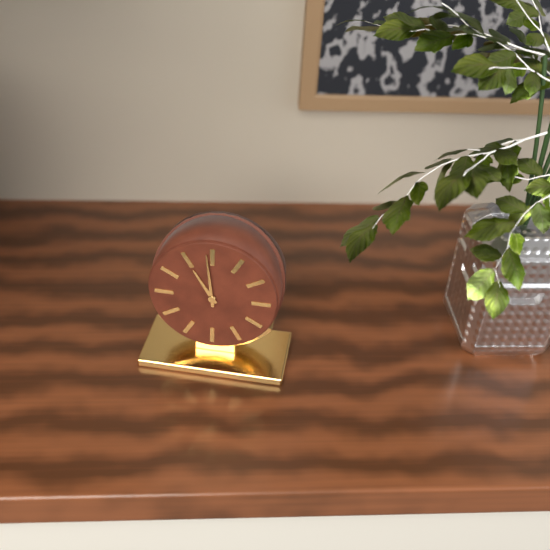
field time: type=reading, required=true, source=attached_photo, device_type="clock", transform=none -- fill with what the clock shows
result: 10:59
